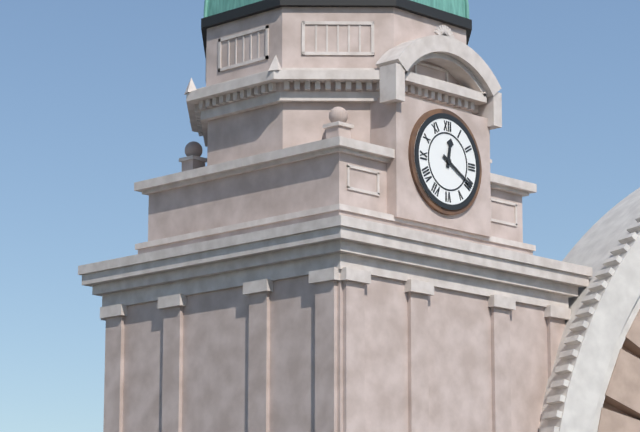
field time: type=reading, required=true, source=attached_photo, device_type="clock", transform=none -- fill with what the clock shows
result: 12:20
